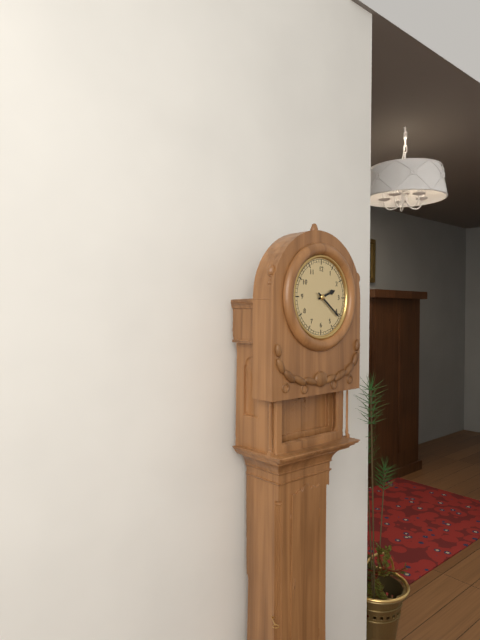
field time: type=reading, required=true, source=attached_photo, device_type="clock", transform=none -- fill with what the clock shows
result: 2:21
